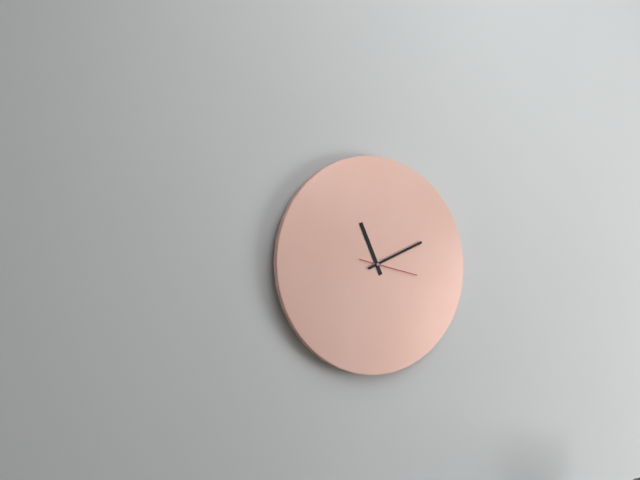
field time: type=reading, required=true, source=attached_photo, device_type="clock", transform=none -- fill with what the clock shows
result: 11:11:17
